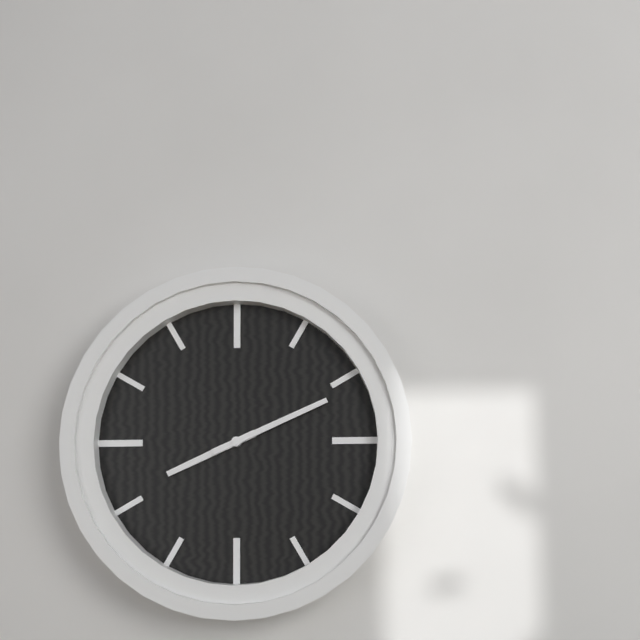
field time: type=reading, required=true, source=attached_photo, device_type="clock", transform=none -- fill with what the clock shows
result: 8:11
